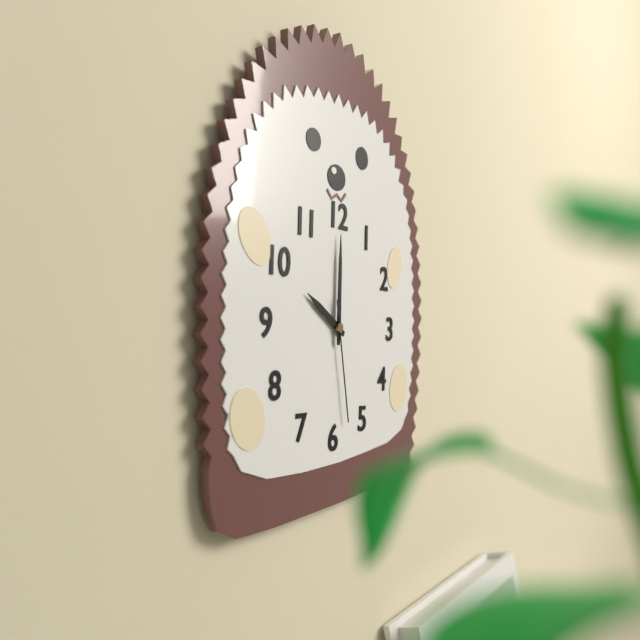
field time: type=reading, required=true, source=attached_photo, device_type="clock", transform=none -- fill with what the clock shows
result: 10:00:28
